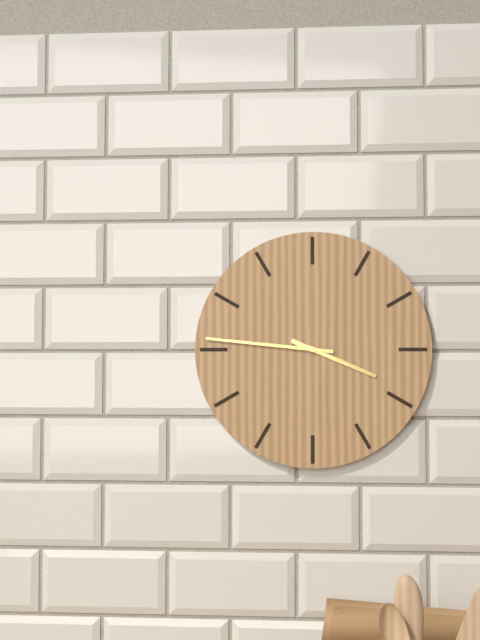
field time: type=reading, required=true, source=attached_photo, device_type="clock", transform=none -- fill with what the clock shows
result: 3:46
